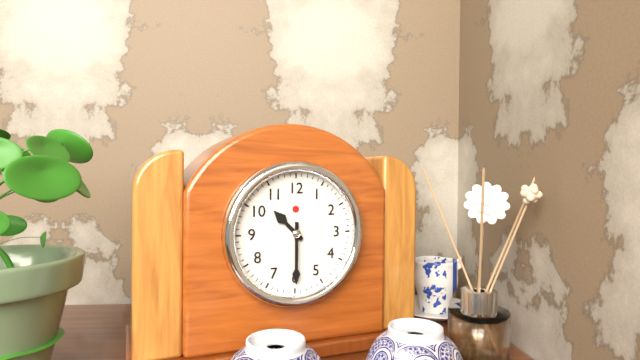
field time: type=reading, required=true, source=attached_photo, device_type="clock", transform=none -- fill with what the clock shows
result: 10:30
